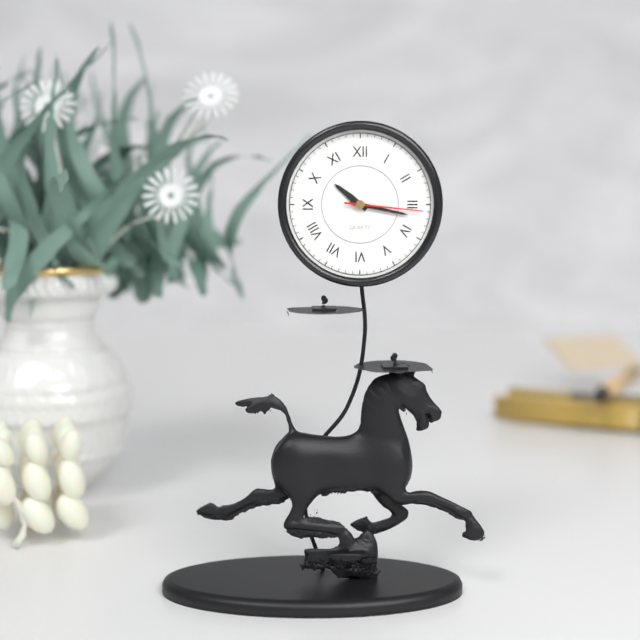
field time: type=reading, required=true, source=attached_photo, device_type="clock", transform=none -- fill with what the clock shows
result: 10:17:16
